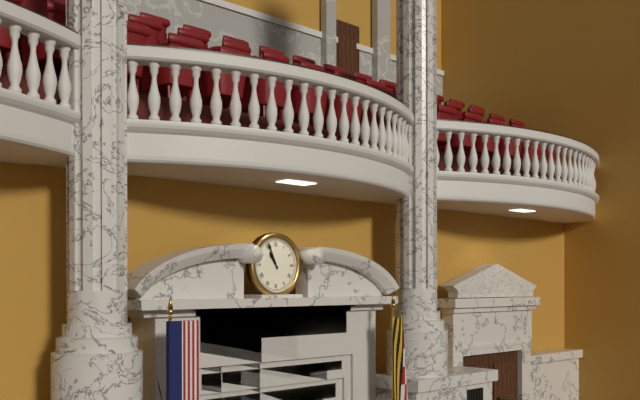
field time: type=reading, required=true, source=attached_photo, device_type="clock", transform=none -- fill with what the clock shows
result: 10:56
